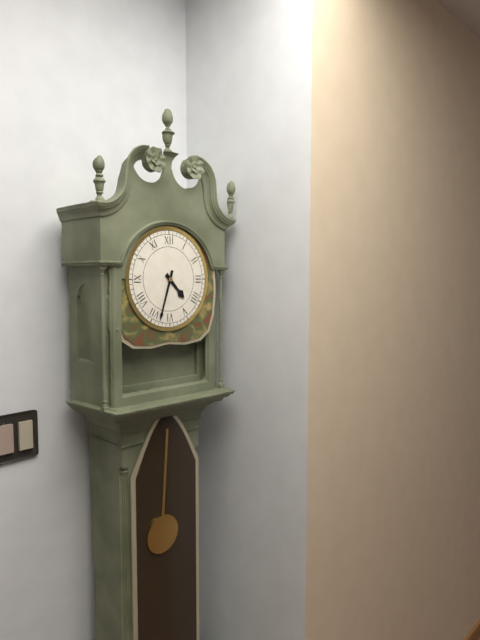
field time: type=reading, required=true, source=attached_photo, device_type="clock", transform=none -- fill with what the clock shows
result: 4:33
